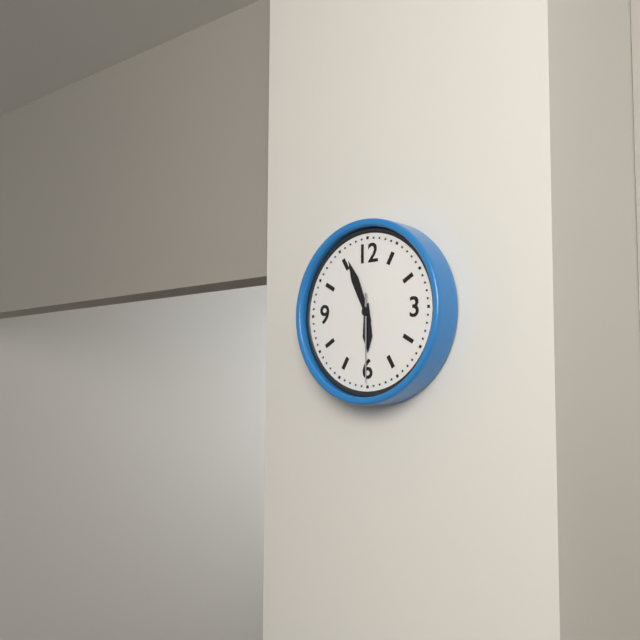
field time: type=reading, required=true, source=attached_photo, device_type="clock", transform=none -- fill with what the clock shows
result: 5:56:30
